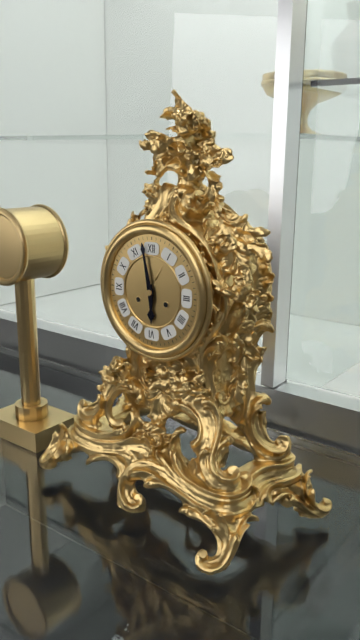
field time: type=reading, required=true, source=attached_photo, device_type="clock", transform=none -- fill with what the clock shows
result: 5:58
